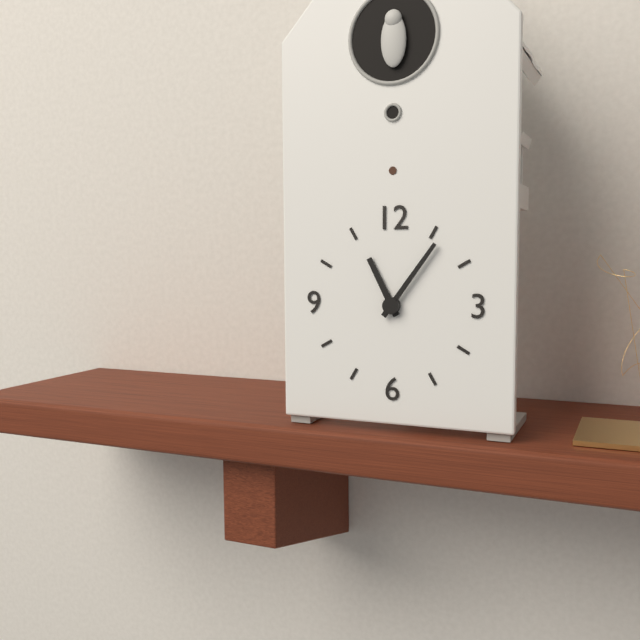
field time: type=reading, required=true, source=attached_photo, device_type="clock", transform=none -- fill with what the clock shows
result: 11:06
